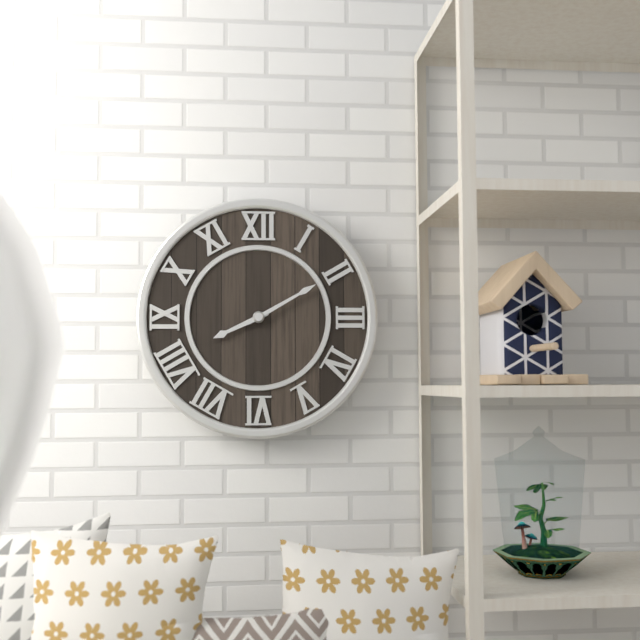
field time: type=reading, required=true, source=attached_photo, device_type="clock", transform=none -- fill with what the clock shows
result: 8:10
